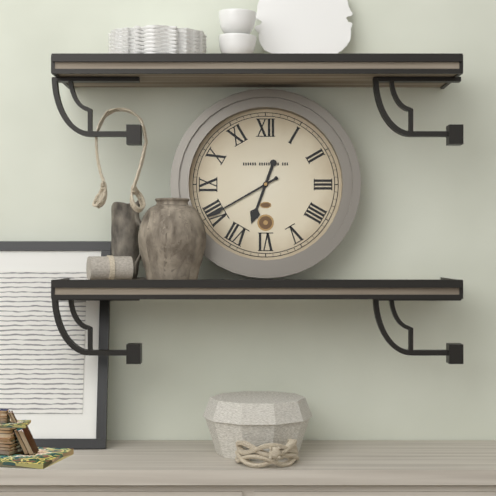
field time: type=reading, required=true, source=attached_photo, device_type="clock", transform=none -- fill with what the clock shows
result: 6:40
